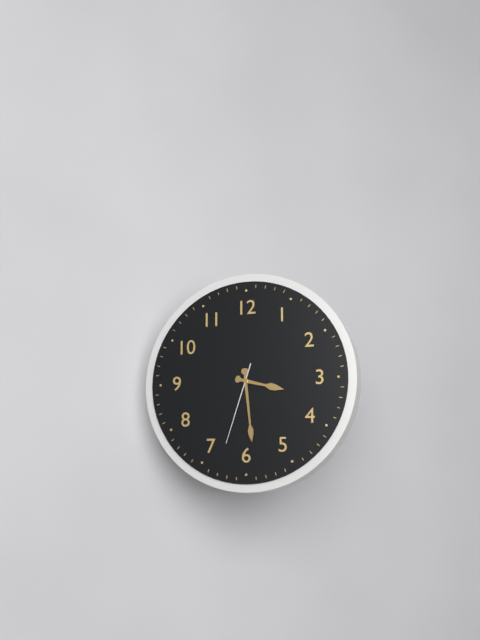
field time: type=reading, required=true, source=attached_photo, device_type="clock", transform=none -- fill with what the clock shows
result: 3:29:33
